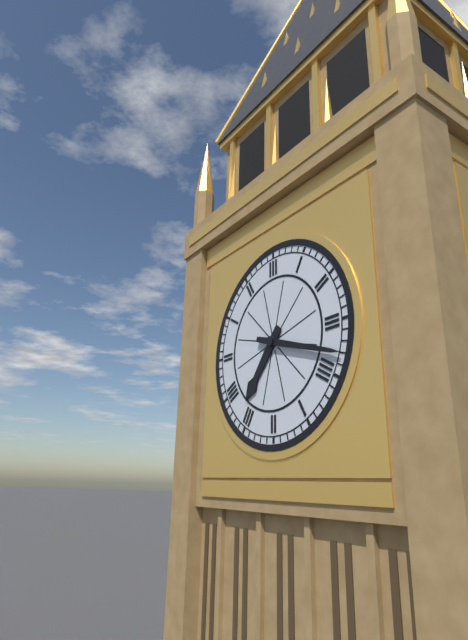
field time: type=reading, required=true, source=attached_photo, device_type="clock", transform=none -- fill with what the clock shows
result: 7:18
